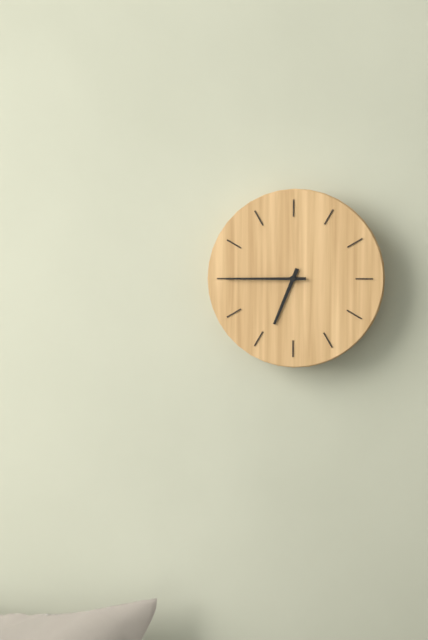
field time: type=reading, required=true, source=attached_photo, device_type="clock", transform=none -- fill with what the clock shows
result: 6:45
